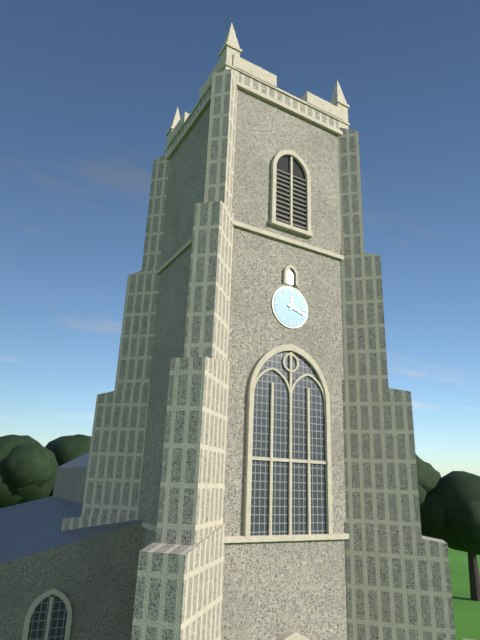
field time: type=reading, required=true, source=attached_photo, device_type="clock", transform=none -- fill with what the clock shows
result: 12:18
